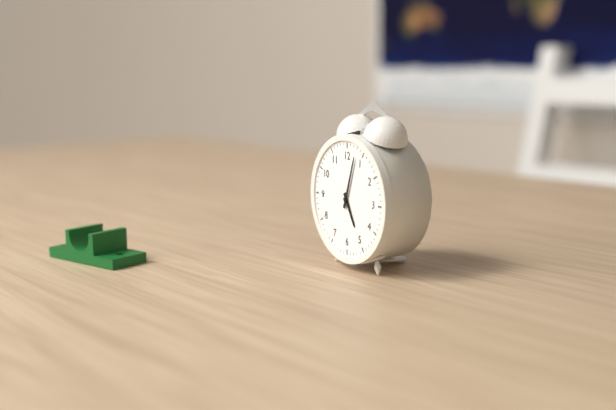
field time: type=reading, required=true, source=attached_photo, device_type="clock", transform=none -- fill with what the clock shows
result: 5:03
